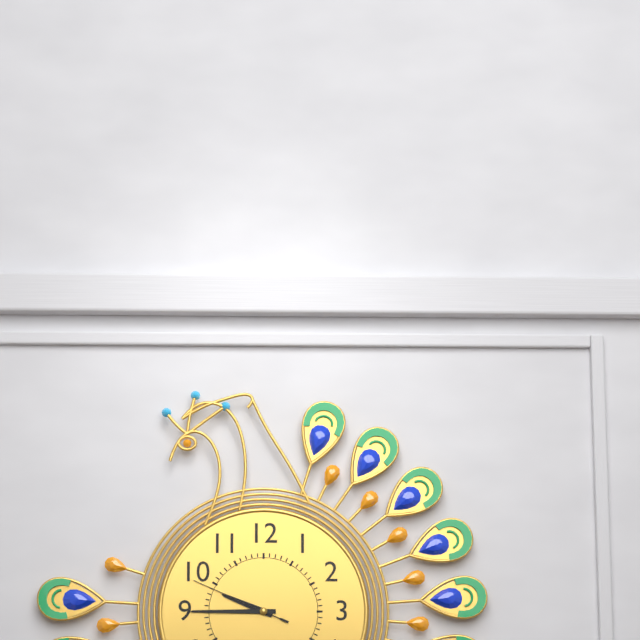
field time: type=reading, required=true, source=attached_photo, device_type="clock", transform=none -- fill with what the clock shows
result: 9:45:49
